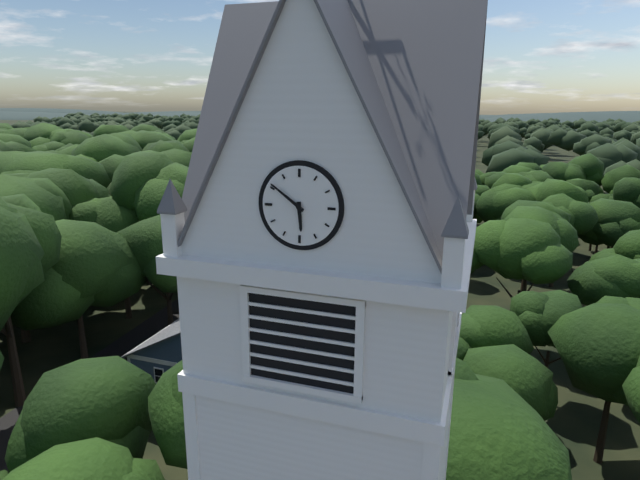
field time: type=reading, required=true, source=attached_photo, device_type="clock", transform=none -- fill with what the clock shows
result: 5:51
